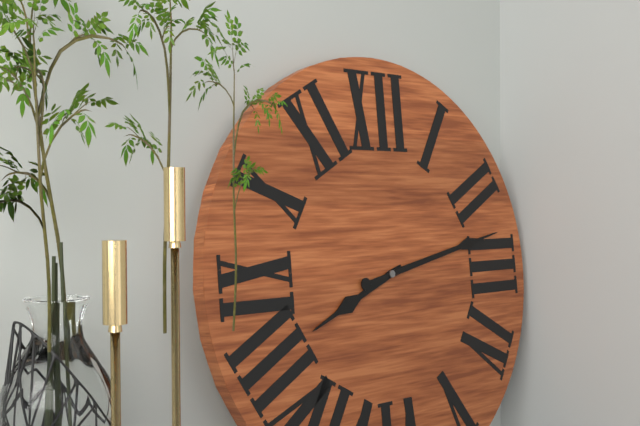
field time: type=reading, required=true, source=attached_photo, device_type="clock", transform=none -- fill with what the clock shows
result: 8:13
